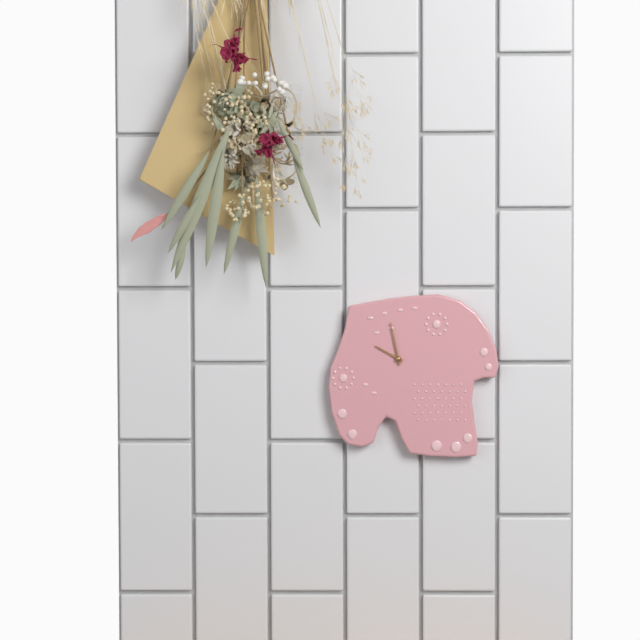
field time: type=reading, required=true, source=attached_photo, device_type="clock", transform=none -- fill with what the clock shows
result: 9:58
